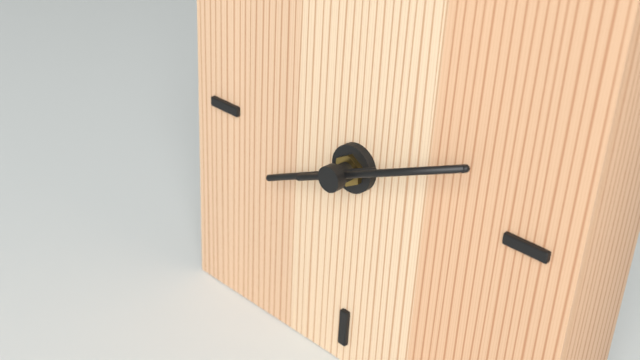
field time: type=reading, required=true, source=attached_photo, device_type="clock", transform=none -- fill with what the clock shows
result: 8:11
